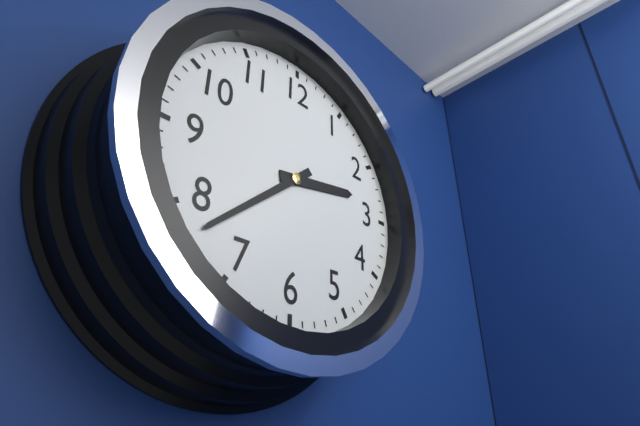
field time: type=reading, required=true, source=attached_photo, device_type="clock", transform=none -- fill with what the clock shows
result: 2:38
